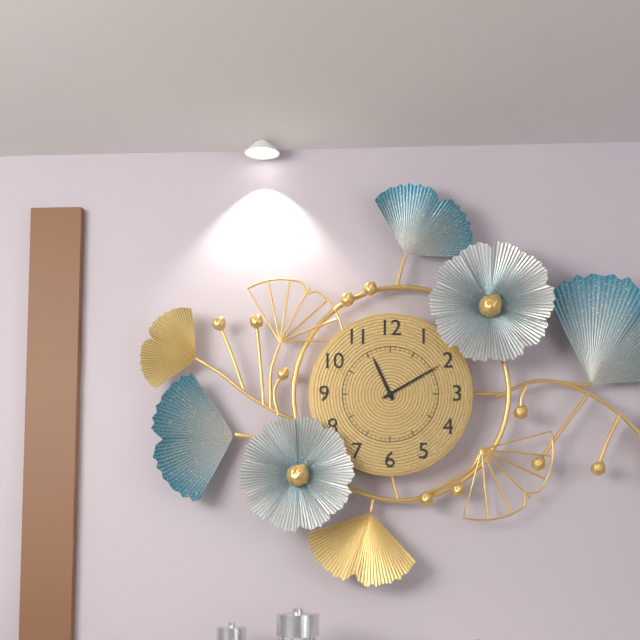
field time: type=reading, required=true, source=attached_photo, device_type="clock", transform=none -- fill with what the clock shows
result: 11:10
